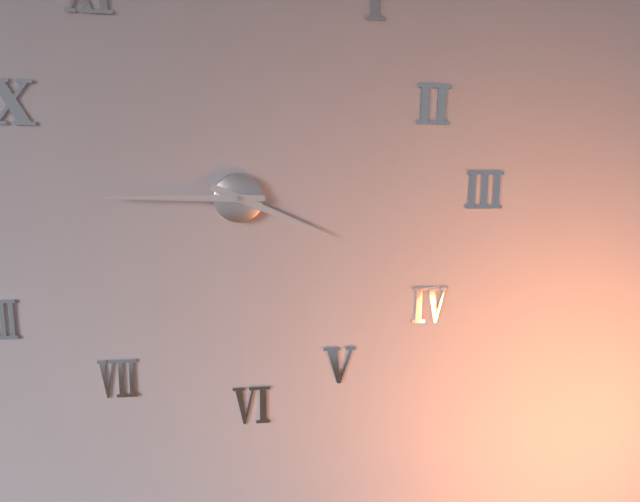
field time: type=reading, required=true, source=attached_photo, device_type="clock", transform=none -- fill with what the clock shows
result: 3:45
